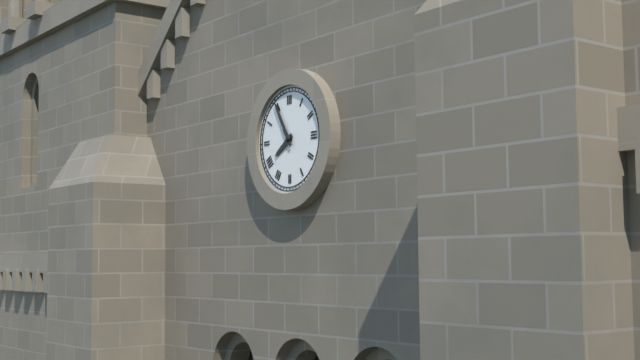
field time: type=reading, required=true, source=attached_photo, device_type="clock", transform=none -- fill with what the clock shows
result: 7:55
